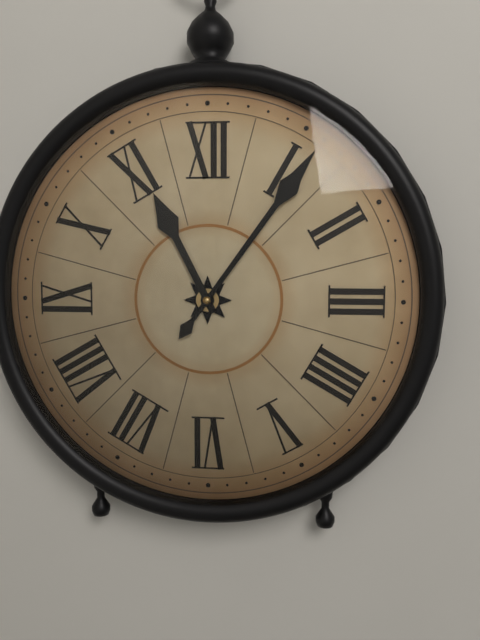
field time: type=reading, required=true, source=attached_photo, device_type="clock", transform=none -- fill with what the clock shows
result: 11:06
